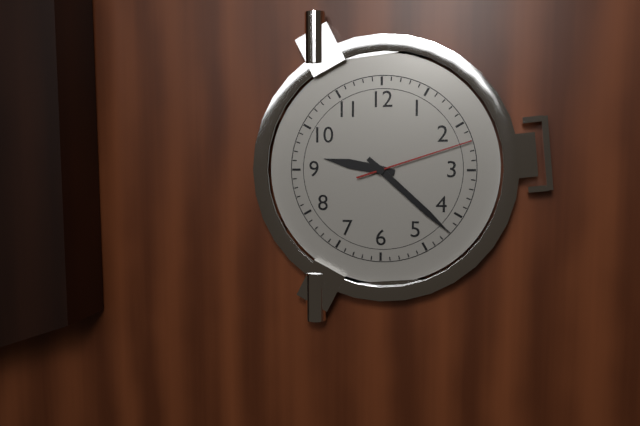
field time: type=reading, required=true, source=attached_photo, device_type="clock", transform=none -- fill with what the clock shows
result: 9:22:12
